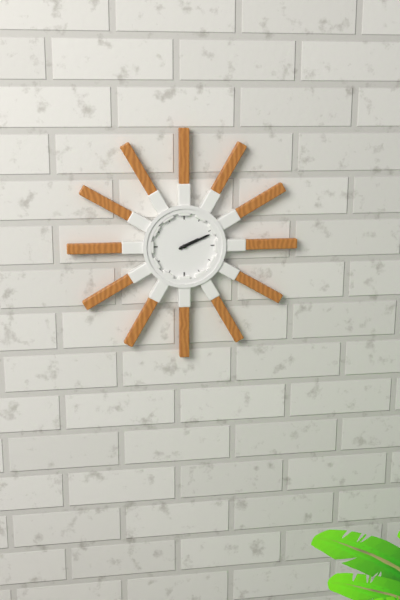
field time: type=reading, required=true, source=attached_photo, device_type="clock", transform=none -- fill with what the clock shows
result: 2:11
